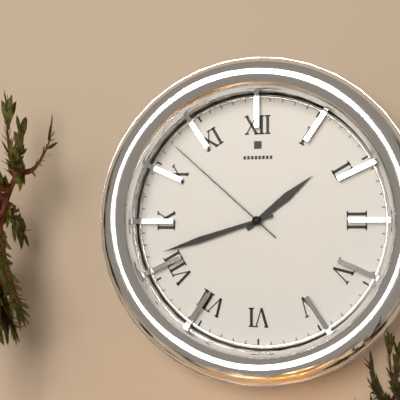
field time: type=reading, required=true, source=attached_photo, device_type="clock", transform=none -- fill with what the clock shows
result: 1:42:52
